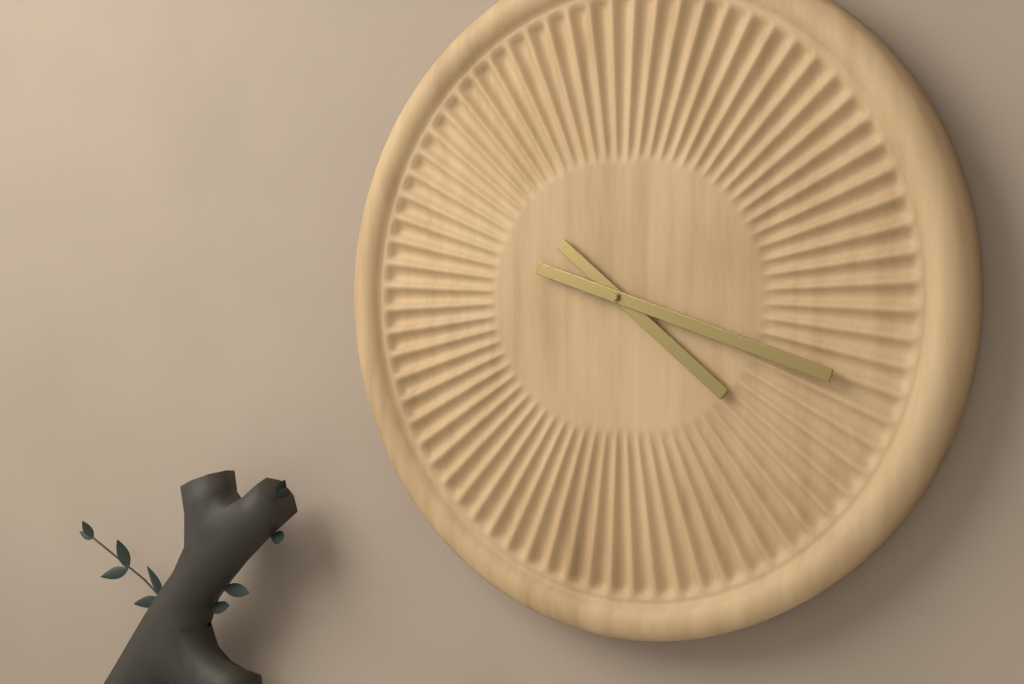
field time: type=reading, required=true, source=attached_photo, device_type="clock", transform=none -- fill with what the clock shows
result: 4:18
